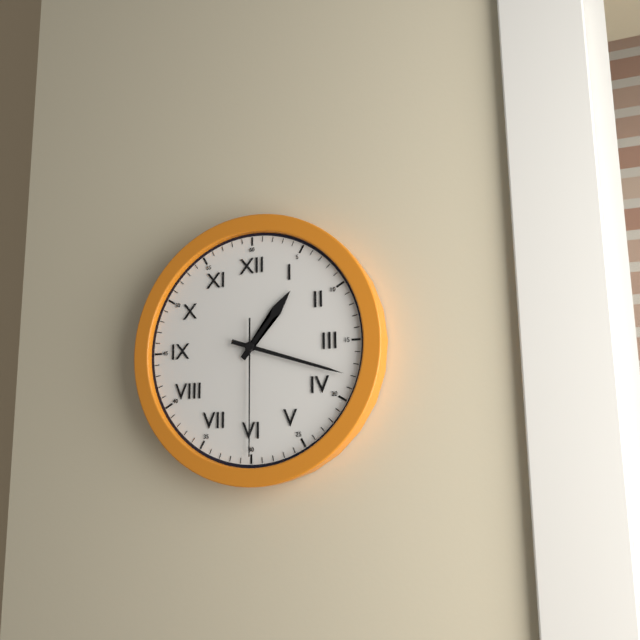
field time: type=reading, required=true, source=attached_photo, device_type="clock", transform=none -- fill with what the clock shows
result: 1:18:30
